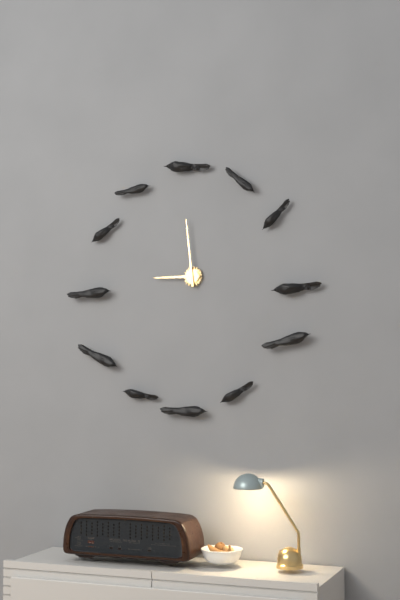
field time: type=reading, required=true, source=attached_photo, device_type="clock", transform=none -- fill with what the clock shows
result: 8:59
